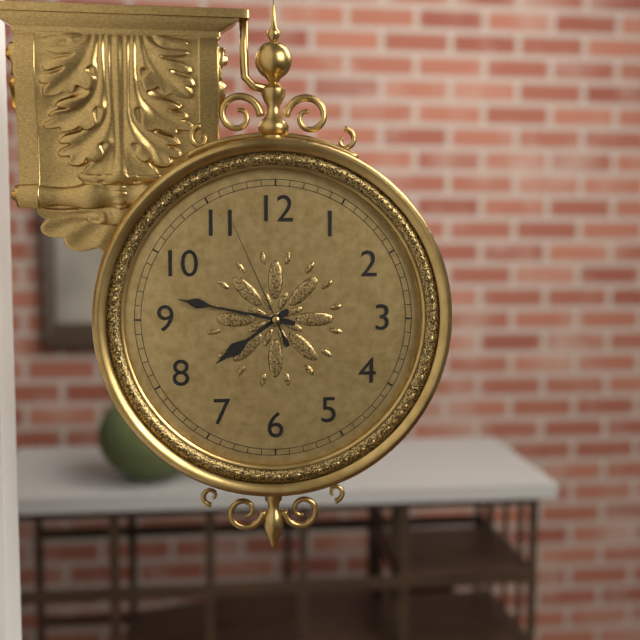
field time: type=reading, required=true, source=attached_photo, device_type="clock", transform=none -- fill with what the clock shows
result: 7:47:56
